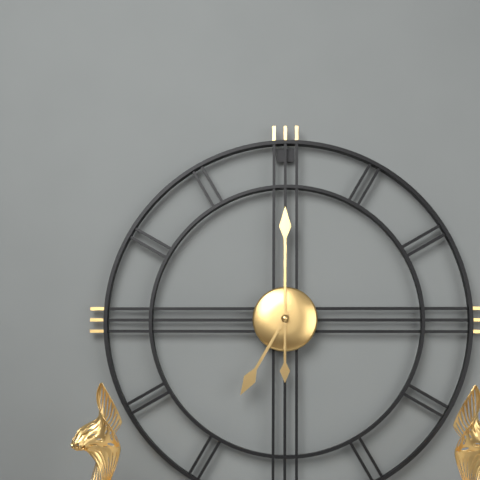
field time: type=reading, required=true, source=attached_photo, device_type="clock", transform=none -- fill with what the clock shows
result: 7:00
